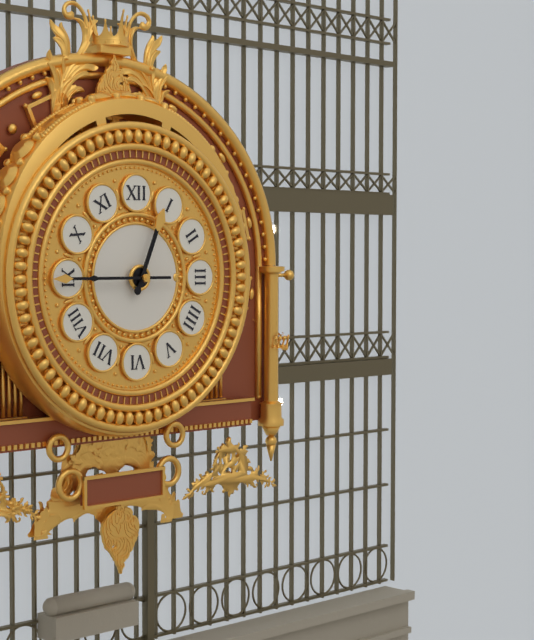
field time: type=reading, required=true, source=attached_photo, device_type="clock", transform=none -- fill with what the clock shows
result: 12:45
